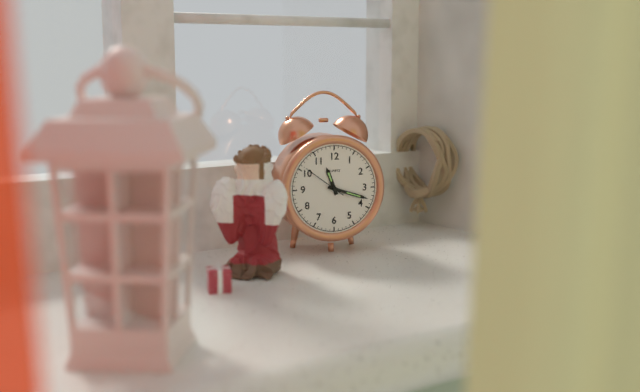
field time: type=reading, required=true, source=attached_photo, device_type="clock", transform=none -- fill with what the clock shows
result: 11:18
